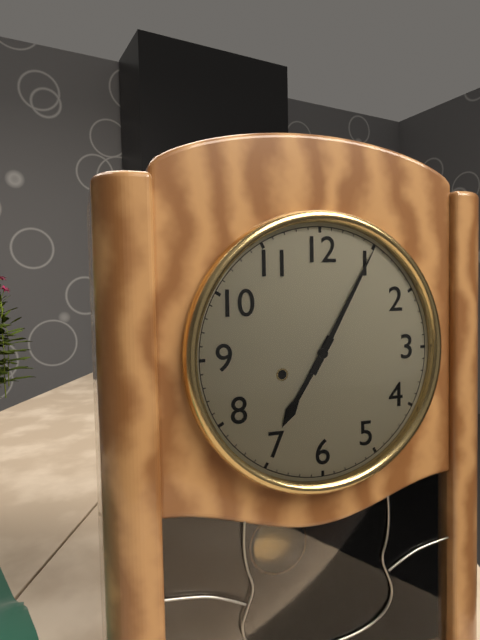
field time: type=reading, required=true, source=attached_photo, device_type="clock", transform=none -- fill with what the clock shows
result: 7:05
